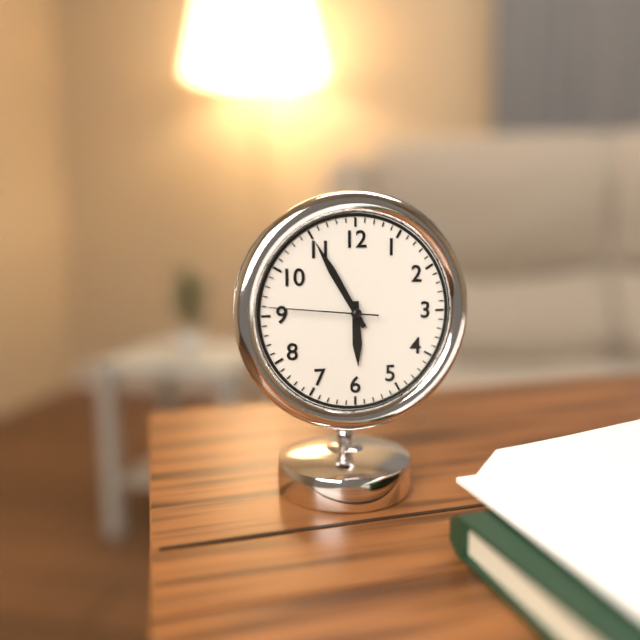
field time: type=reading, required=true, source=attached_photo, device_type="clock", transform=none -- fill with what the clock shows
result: 5:55:46
